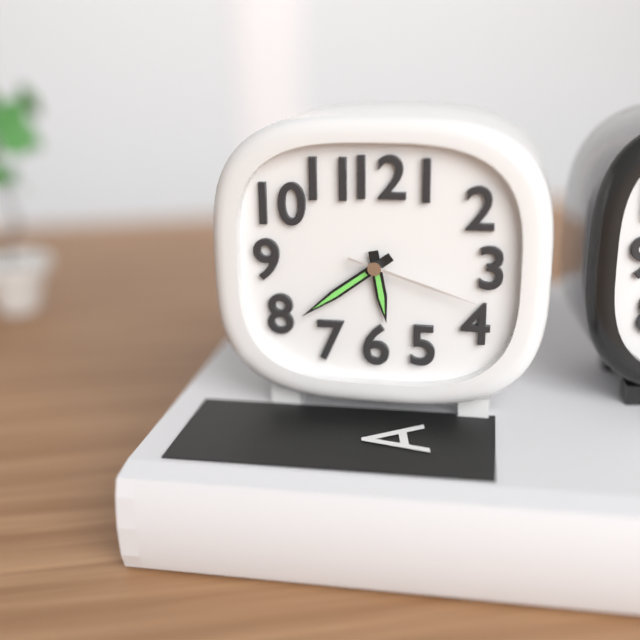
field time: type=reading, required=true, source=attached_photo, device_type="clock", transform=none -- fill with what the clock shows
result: 5:39:18
